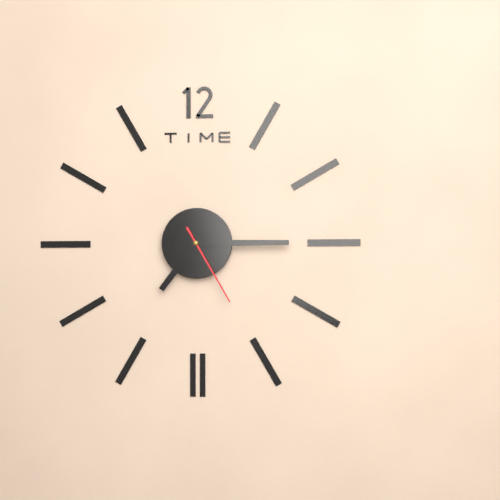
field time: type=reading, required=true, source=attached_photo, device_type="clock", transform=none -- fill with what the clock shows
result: 7:15:25
